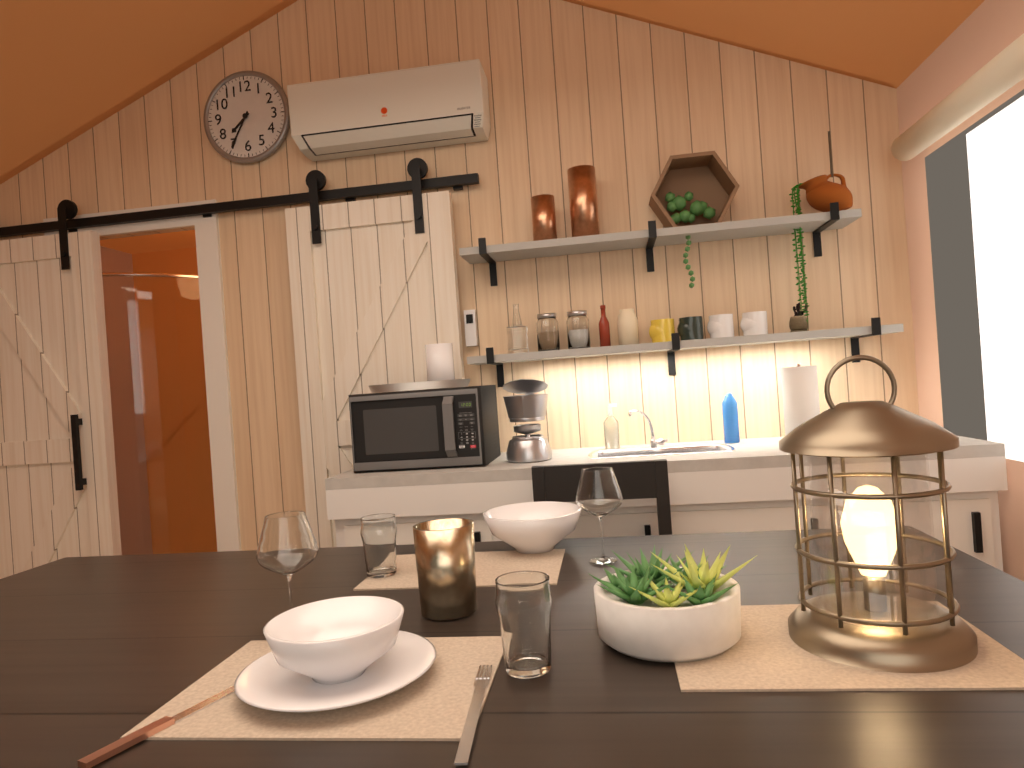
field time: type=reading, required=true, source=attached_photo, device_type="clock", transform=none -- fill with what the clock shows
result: 7:35
